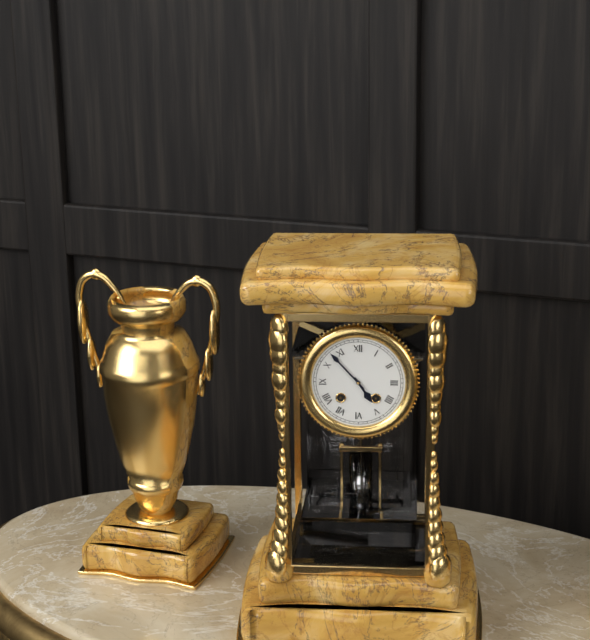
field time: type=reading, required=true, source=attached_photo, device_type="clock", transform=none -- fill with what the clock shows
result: 4:53
